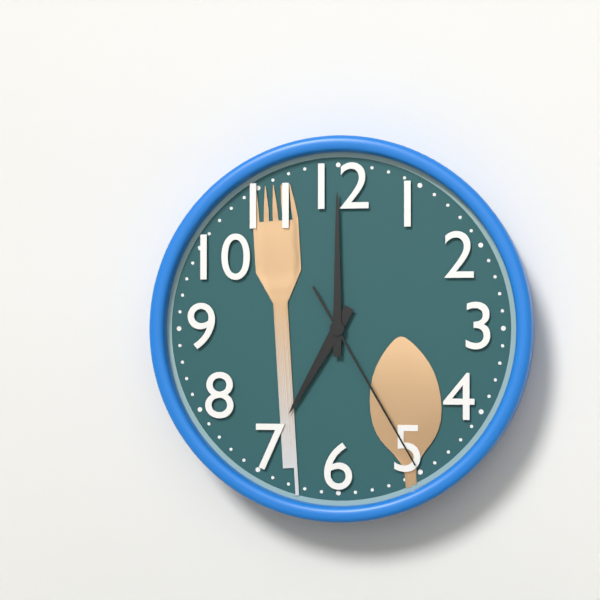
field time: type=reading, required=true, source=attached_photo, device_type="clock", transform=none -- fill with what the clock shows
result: 7:00:25
